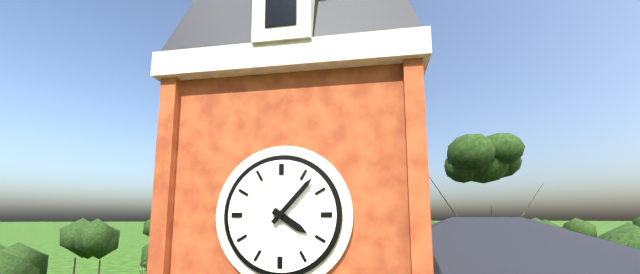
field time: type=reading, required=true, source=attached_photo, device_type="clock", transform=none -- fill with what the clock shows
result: 4:07
